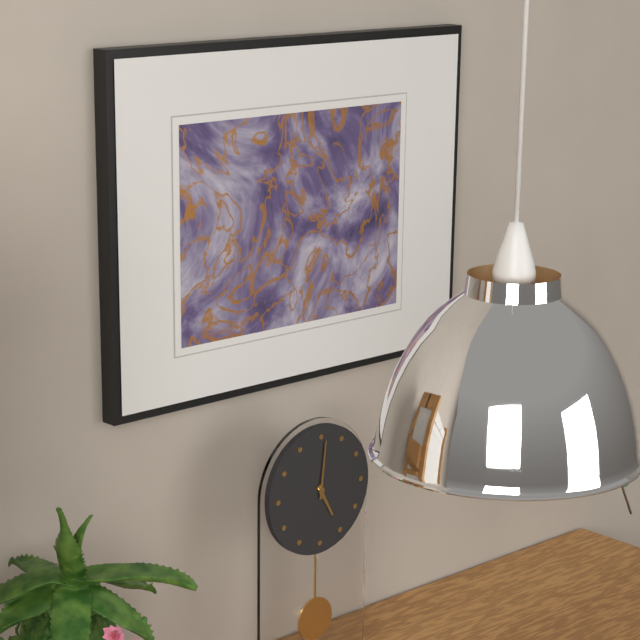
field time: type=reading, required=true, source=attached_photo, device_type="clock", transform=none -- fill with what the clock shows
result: 5:01
